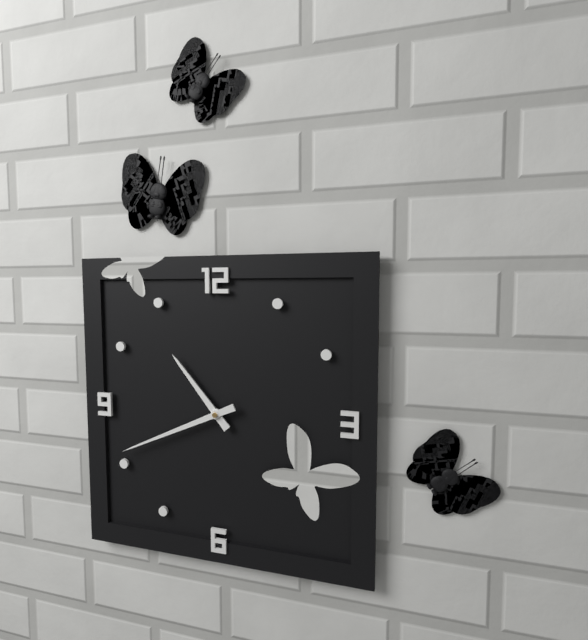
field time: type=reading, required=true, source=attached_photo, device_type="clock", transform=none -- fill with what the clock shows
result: 10:41
